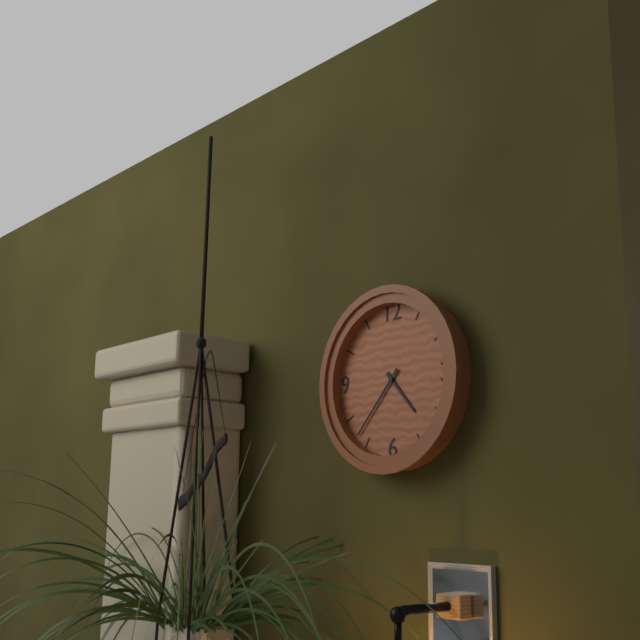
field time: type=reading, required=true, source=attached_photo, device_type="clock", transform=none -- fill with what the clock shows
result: 4:37
